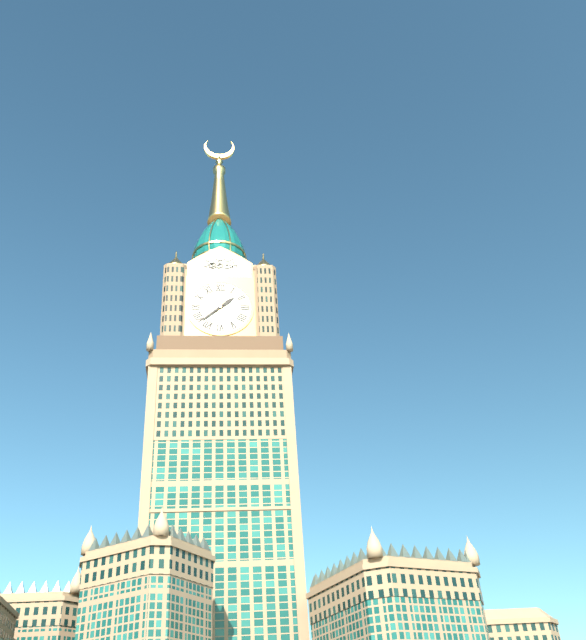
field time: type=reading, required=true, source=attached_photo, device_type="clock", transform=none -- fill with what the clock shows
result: 1:38
